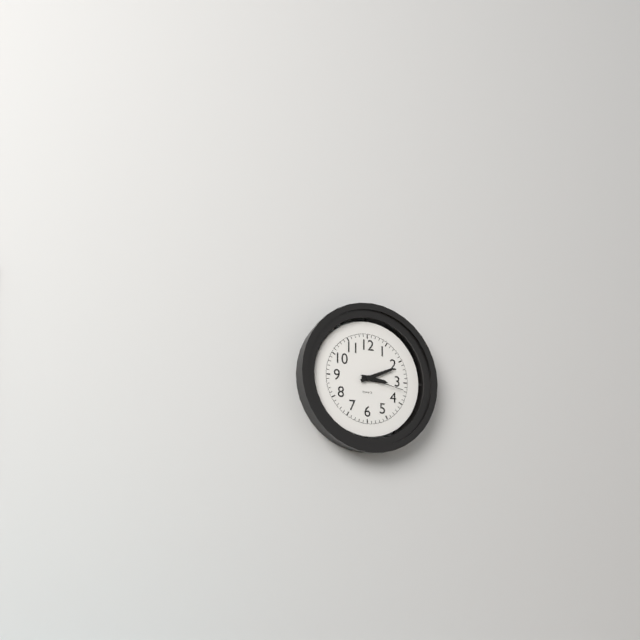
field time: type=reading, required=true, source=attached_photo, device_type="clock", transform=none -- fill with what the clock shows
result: 3:11
